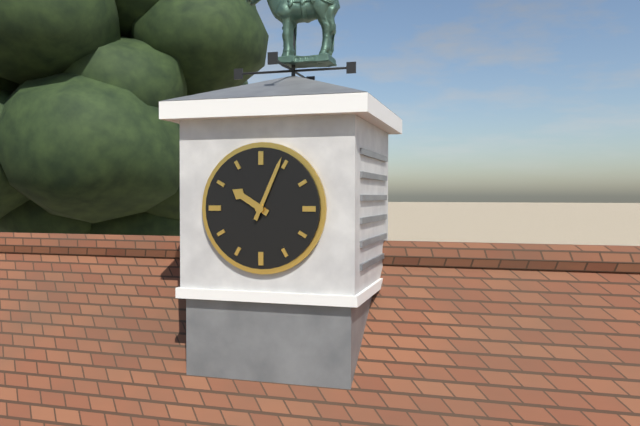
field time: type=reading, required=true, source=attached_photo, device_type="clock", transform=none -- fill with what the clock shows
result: 10:04
